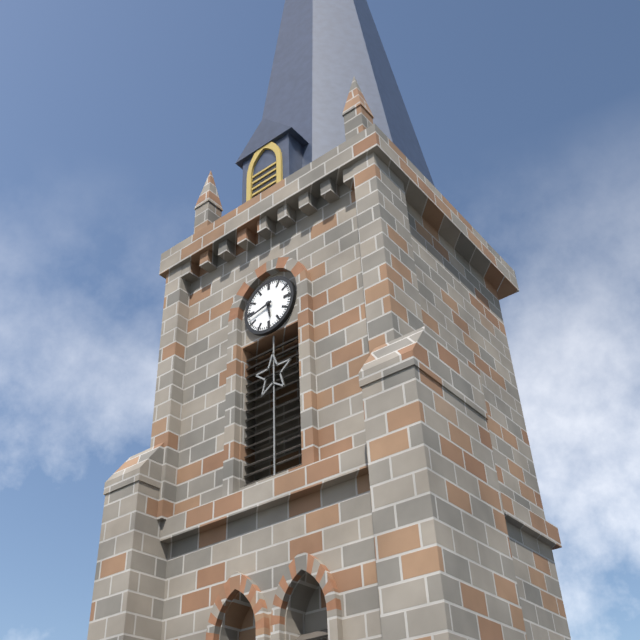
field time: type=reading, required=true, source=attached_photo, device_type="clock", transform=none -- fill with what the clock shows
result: 5:43
